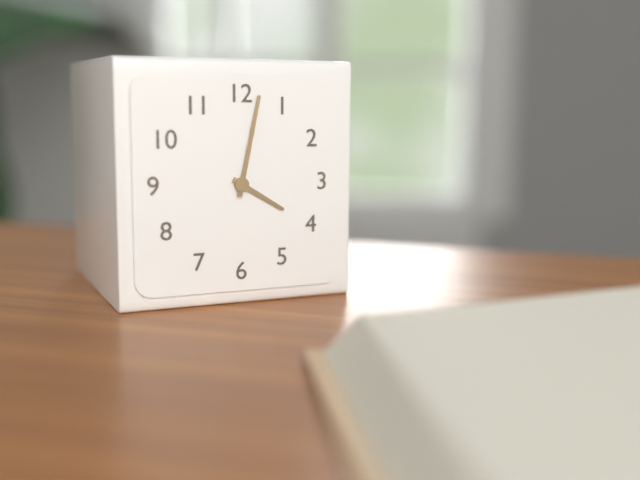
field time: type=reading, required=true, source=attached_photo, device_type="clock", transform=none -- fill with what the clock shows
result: 4:02
